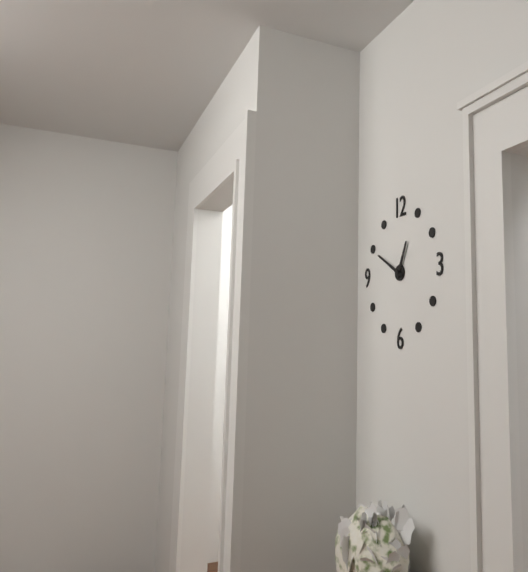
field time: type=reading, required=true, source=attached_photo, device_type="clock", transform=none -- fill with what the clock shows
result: 12:50
